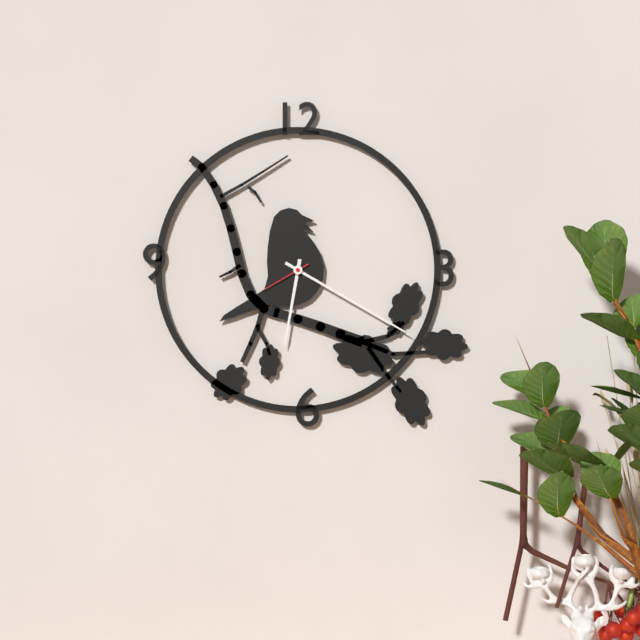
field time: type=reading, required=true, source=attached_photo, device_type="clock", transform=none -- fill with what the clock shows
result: 6:20:40
